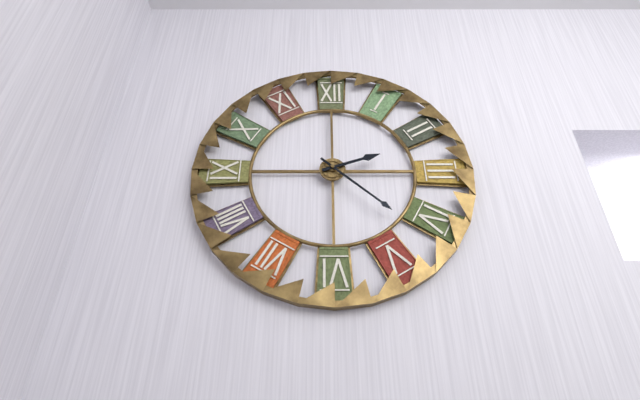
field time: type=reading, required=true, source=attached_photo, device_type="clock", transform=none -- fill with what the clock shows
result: 2:22
